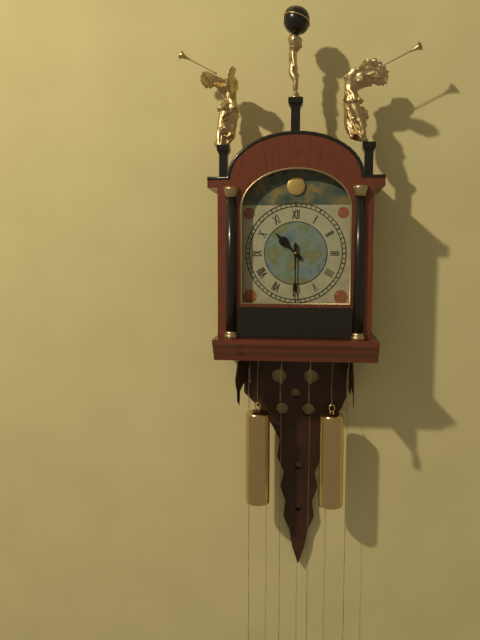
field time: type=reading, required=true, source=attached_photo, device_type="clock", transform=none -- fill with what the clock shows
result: 10:30
